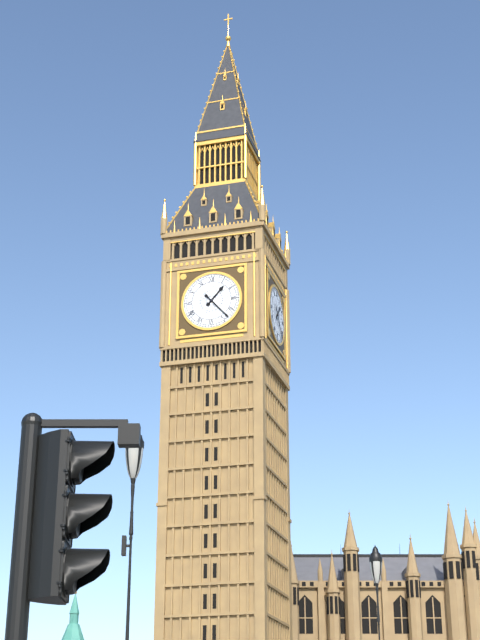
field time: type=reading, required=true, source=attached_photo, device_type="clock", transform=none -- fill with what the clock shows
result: 1:23
